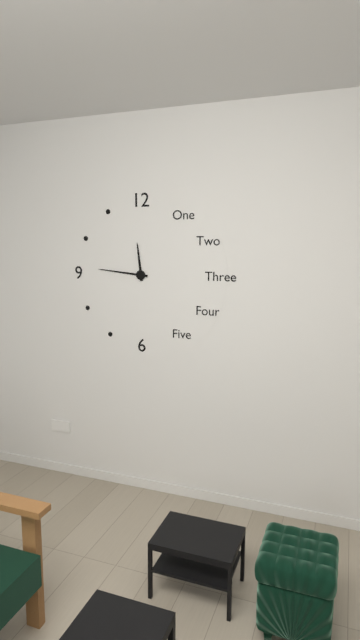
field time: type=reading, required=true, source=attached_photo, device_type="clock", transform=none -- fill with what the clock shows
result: 11:46
